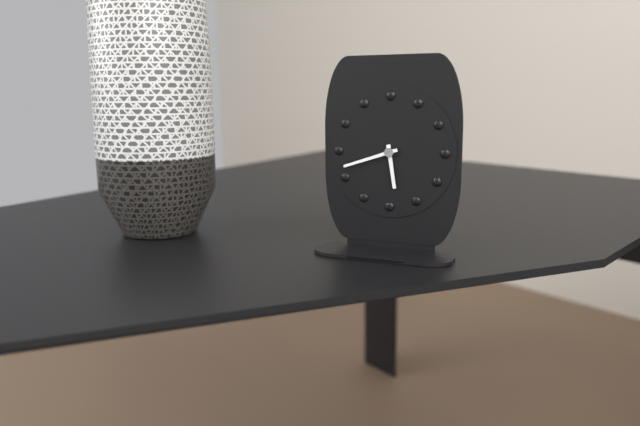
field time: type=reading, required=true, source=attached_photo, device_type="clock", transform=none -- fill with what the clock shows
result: 5:42
